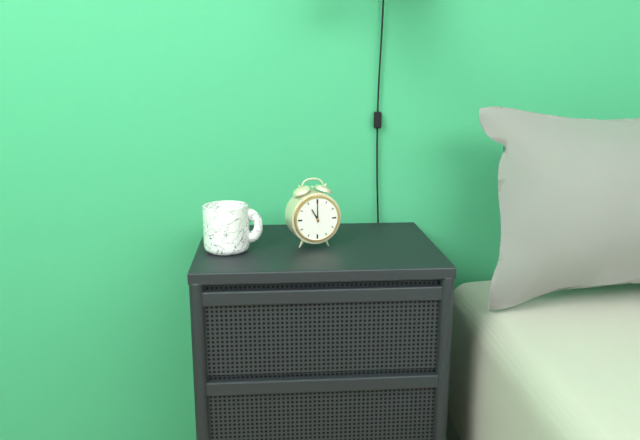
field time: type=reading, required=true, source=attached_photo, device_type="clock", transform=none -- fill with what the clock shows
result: 11:00
